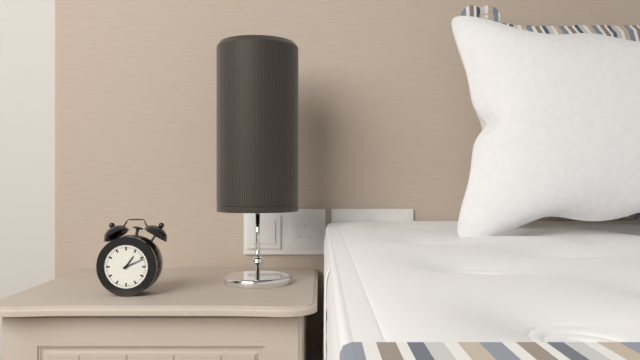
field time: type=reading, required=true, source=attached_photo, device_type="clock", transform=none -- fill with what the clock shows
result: 1:11
